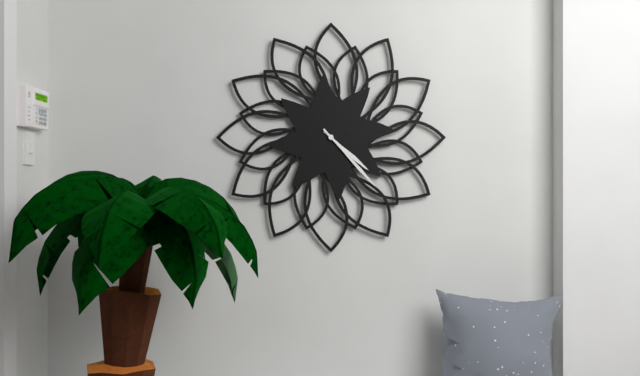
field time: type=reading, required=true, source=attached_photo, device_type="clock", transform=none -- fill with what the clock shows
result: 4:23
